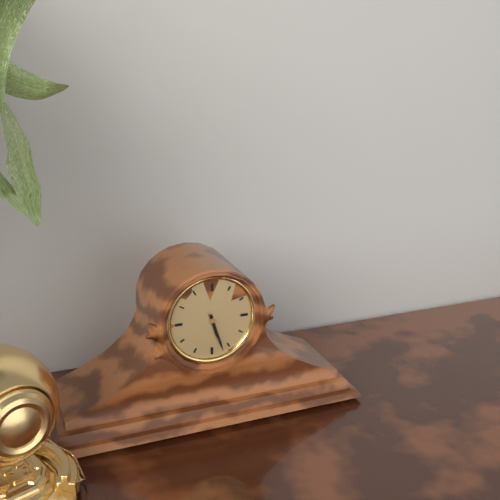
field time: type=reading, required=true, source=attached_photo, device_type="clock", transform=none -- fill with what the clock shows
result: 5:27
